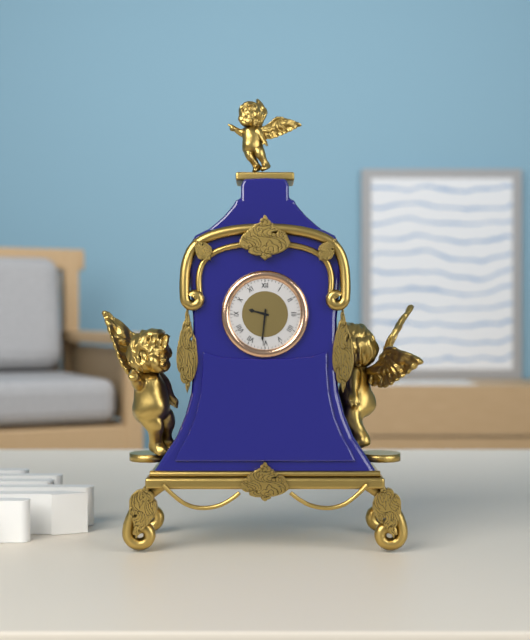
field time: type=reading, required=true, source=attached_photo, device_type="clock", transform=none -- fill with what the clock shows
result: 9:31
